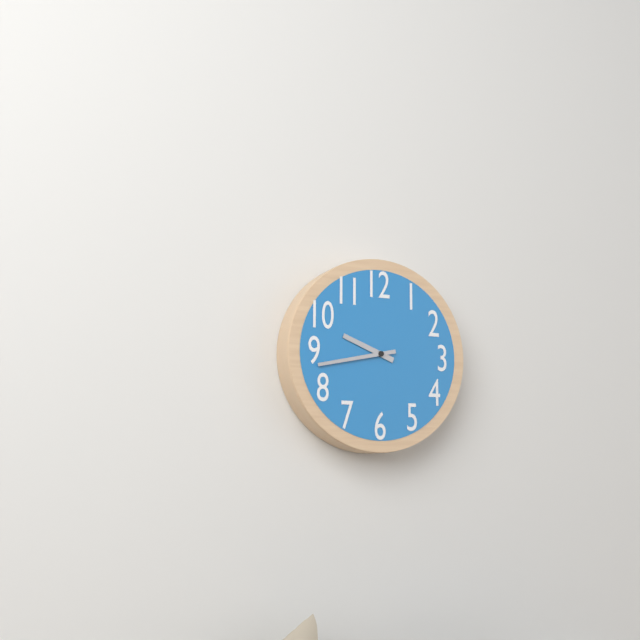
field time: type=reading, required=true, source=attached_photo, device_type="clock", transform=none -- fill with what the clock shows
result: 9:43
